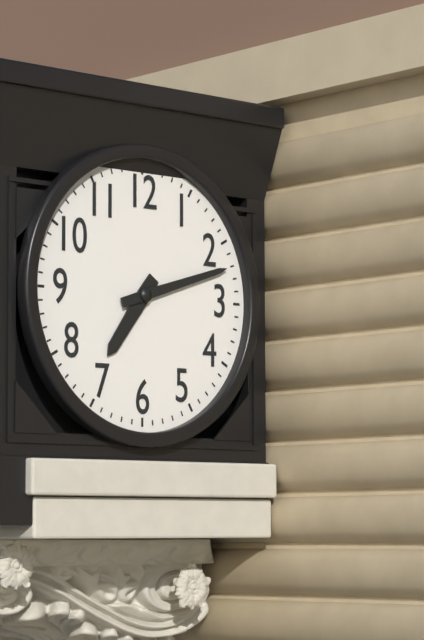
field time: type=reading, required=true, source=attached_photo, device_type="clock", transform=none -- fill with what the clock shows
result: 7:12
